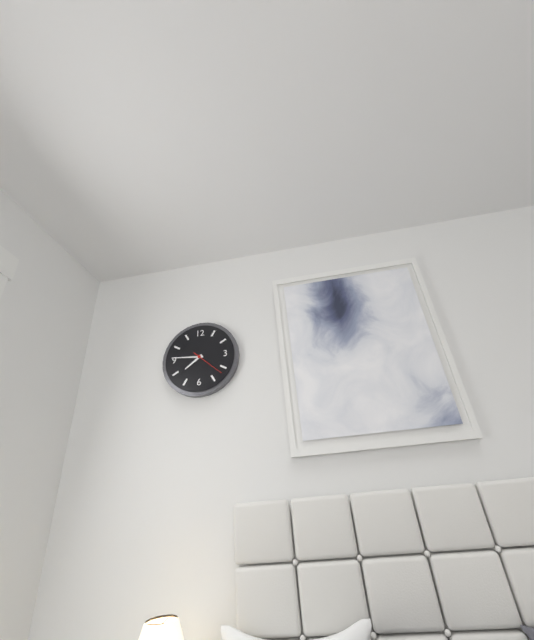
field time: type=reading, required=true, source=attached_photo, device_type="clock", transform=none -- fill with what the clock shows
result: 7:46
